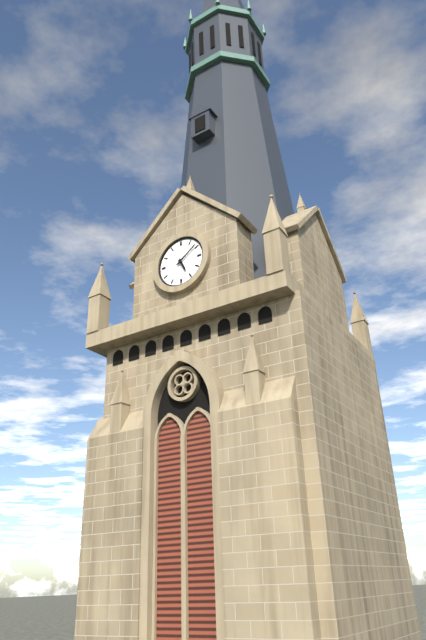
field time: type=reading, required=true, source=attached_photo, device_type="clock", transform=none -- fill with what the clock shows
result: 5:09
